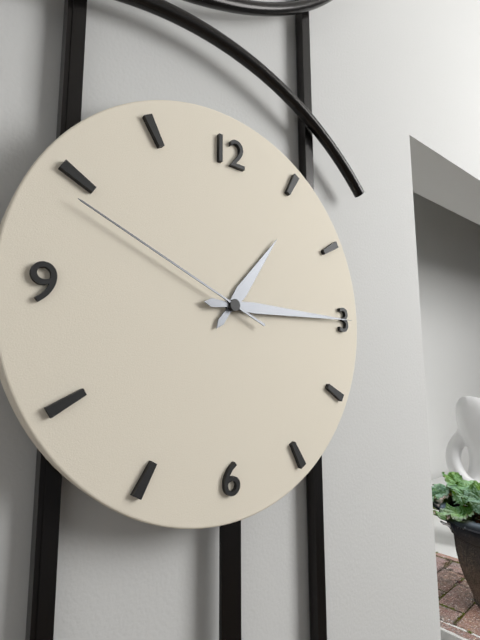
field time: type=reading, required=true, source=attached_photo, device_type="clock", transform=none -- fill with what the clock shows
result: 1:15:49
